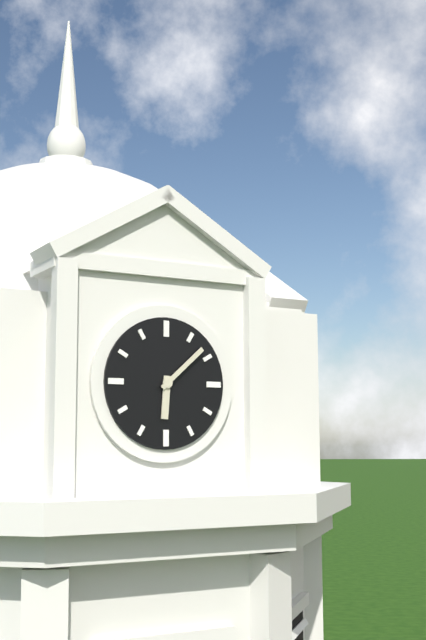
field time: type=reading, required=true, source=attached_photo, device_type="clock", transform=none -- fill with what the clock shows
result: 6:08
